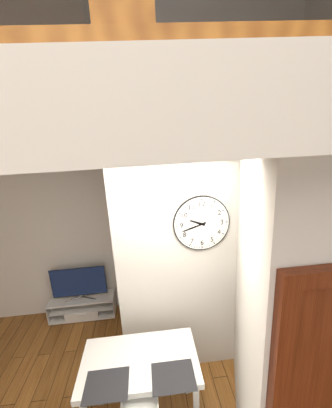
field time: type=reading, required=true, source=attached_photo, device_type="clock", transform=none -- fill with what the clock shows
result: 9:42
